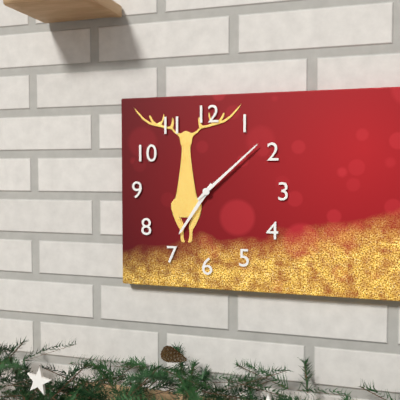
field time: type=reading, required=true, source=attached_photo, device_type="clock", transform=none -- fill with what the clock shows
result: 7:08
